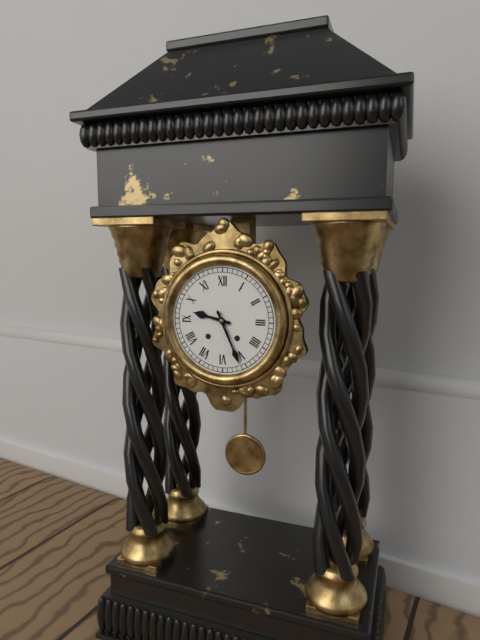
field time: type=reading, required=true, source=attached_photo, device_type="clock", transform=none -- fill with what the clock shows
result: 9:26
